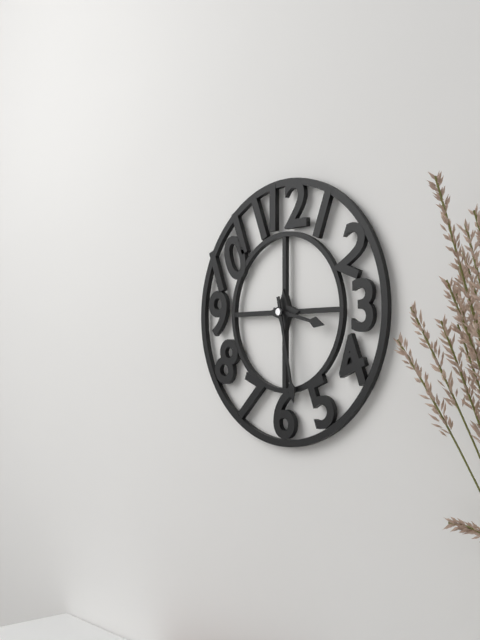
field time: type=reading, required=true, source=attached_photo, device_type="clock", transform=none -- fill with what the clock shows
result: 3:28
